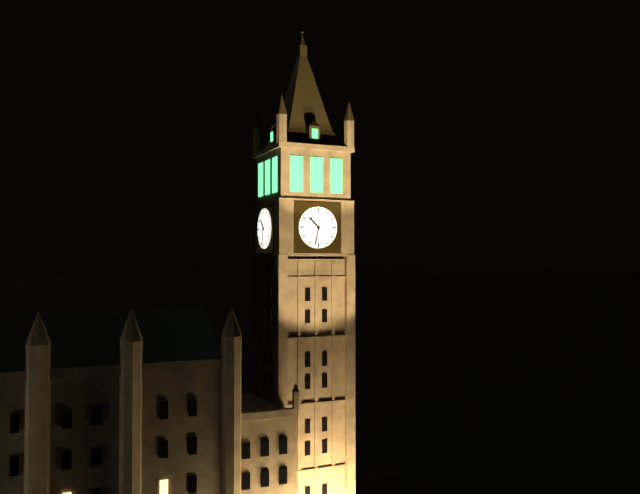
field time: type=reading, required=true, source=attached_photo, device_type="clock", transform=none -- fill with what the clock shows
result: 10:32
